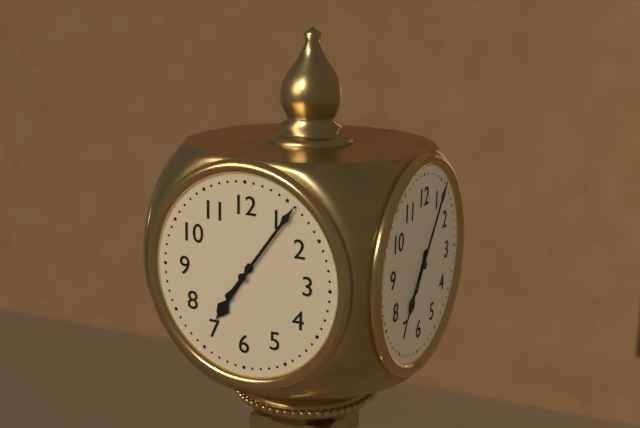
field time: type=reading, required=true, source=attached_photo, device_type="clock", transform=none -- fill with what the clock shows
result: 7:06
